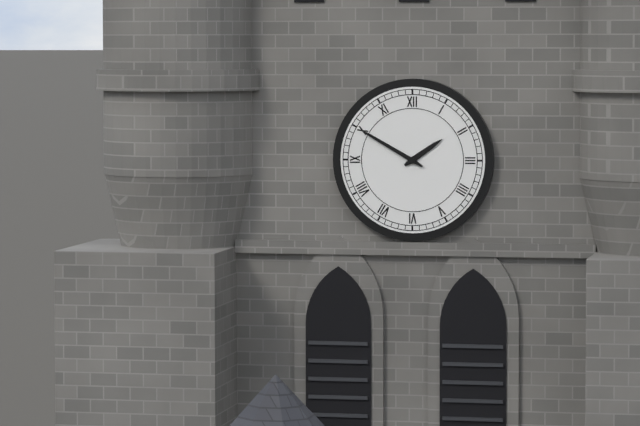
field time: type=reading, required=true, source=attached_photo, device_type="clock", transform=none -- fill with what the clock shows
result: 1:50
